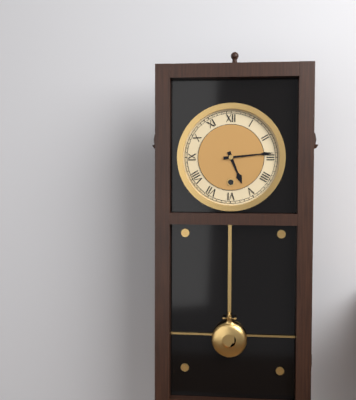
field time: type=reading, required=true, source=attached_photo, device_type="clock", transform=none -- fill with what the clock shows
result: 5:14
